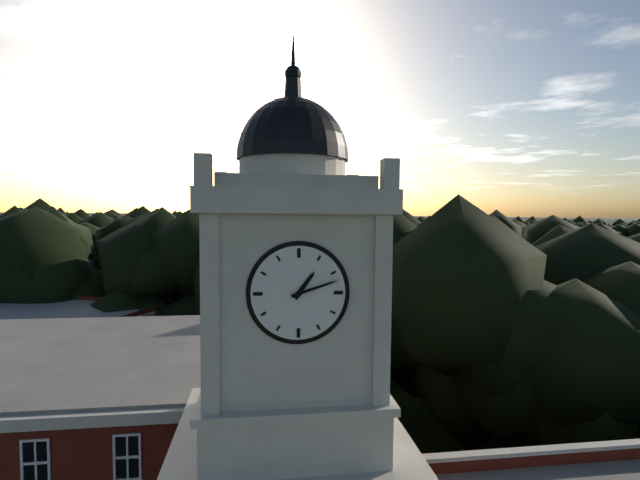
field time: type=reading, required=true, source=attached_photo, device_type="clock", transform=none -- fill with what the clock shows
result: 1:12
